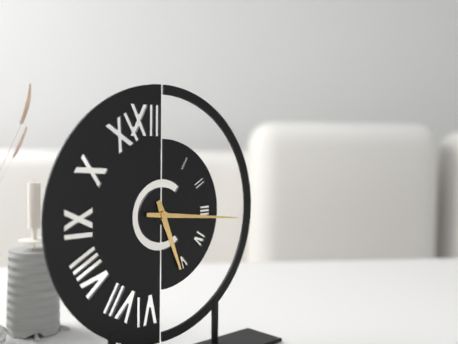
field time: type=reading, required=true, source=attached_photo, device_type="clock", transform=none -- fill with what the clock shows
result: 5:16
